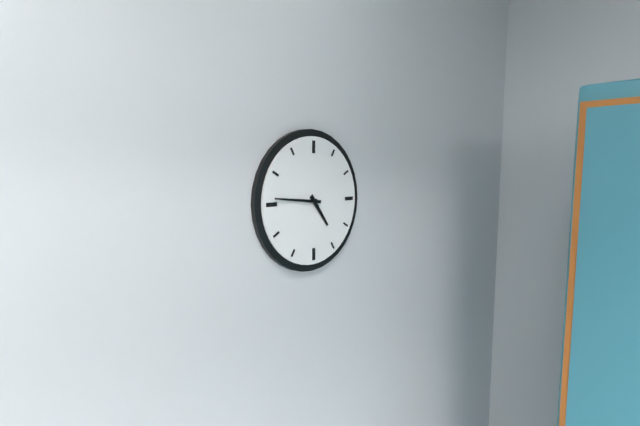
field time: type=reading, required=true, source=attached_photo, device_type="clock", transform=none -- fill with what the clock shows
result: 4:46
